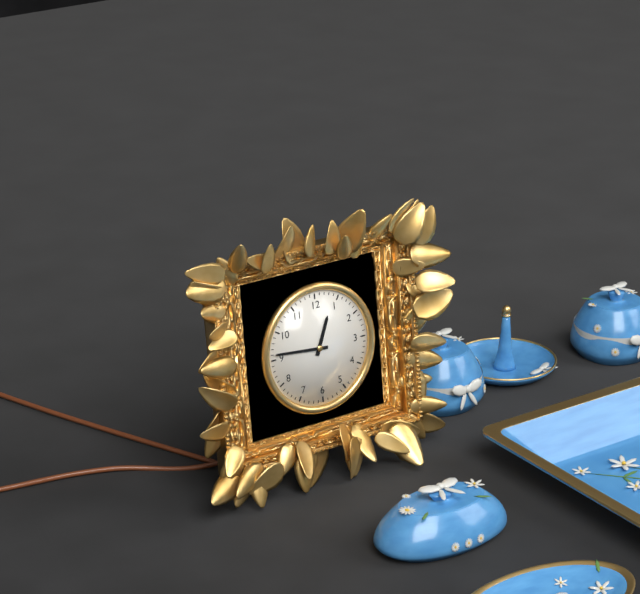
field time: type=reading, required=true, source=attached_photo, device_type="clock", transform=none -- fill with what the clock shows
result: 12:46
